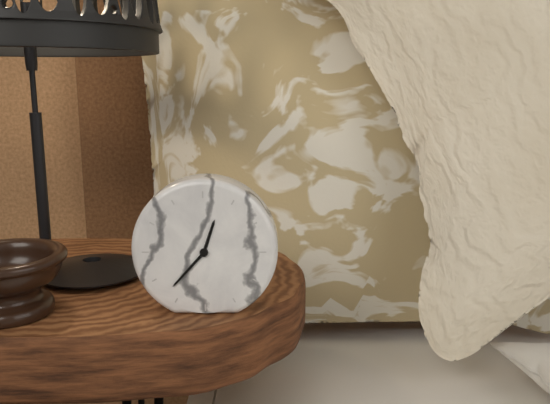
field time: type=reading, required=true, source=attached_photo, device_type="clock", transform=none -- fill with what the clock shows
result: 12:37
